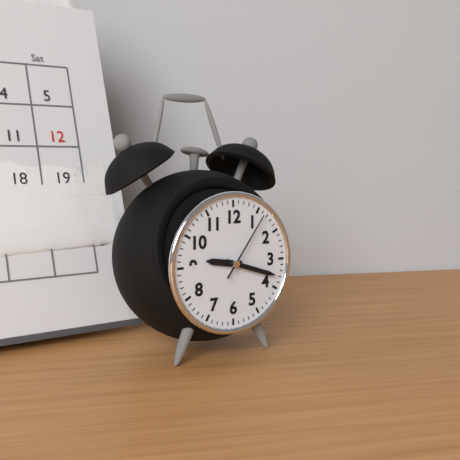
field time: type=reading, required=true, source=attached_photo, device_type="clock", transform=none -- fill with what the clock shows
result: 9:18:06
